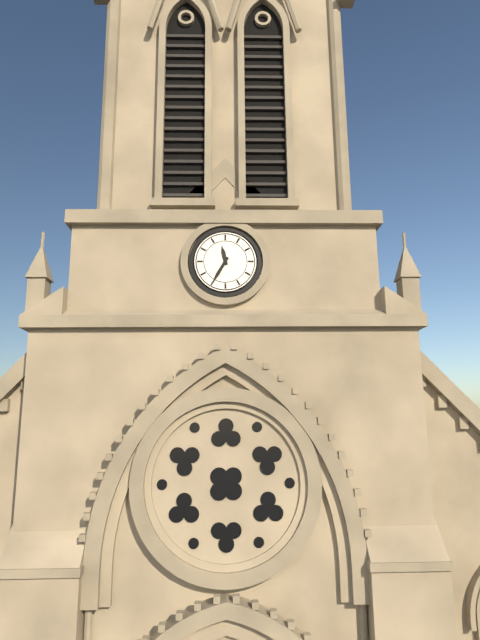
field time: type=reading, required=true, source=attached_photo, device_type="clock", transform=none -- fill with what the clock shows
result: 11:35
